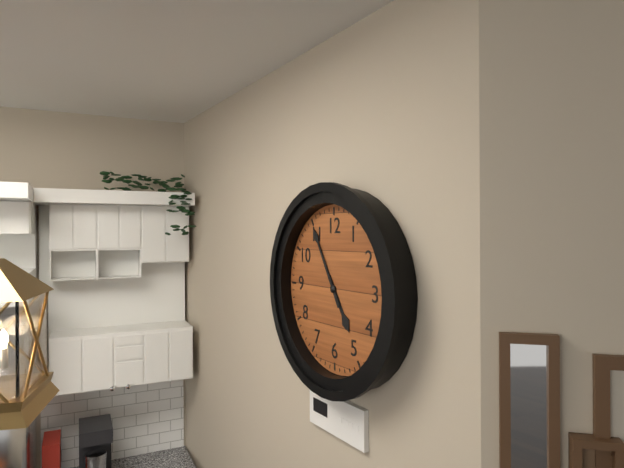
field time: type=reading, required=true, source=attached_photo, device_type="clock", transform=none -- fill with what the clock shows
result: 4:55
